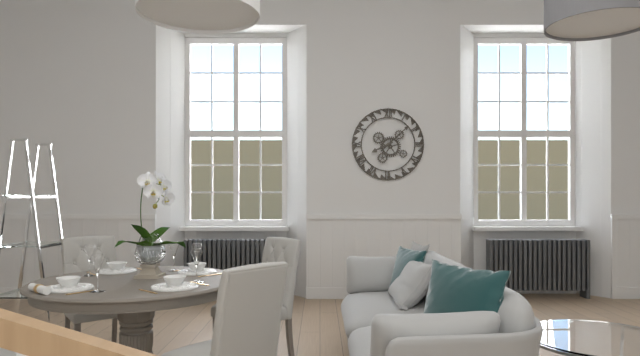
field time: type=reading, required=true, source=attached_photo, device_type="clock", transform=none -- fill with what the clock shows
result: 8:08
